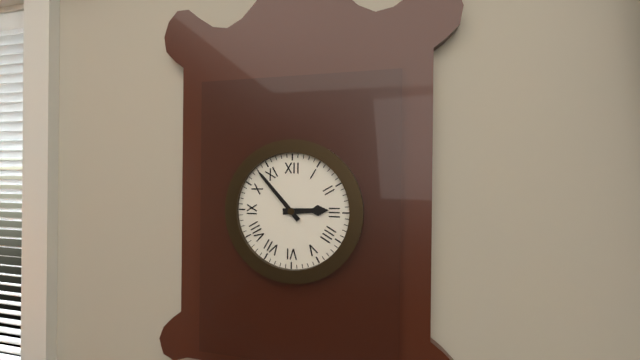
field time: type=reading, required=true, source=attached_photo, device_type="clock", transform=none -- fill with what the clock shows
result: 2:53
